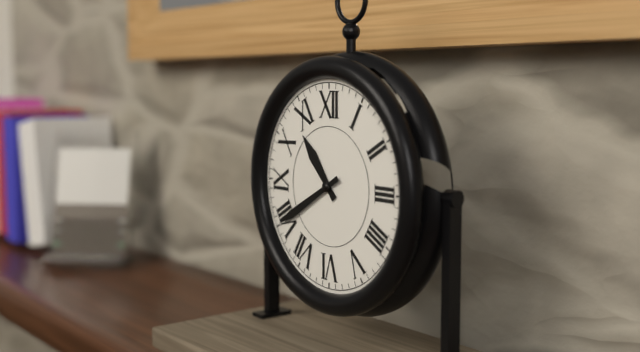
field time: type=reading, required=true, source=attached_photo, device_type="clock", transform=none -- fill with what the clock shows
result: 10:40
